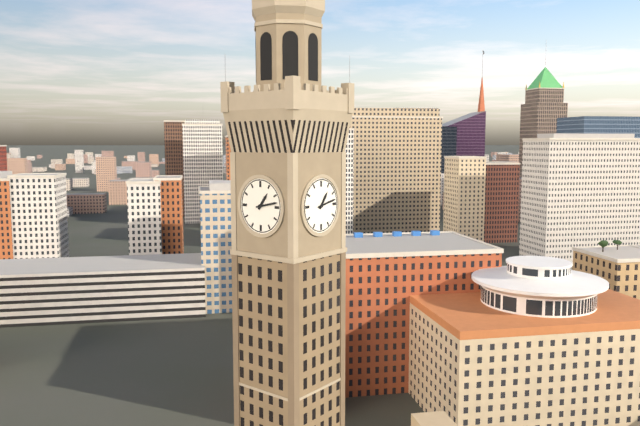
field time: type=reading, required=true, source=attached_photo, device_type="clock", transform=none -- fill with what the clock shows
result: 1:13
